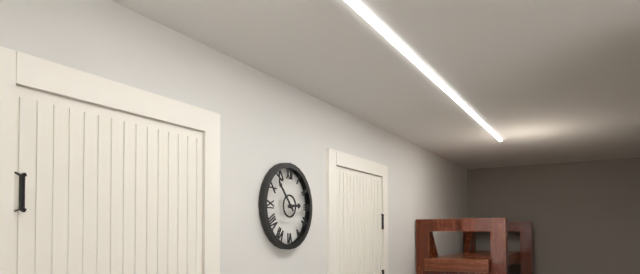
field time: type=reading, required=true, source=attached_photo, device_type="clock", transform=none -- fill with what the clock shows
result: 2:53
